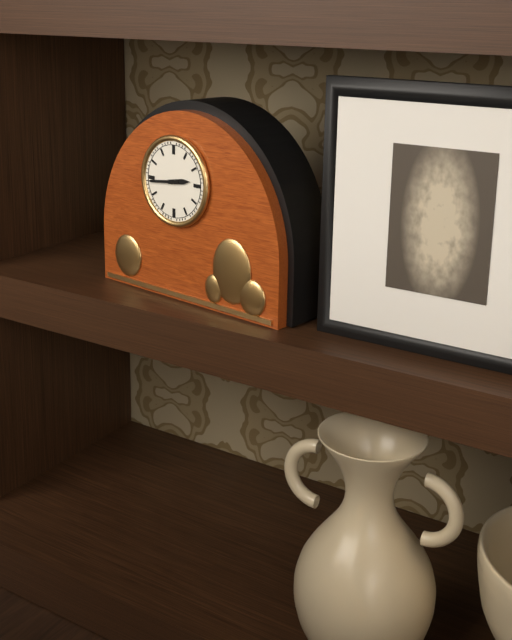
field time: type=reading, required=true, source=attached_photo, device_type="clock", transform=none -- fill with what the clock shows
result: 2:44
